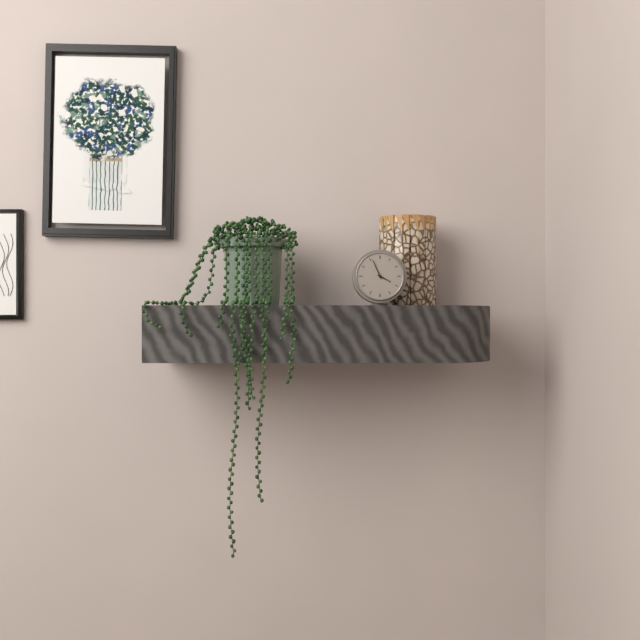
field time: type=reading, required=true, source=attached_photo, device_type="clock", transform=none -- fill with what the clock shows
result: 3:56
